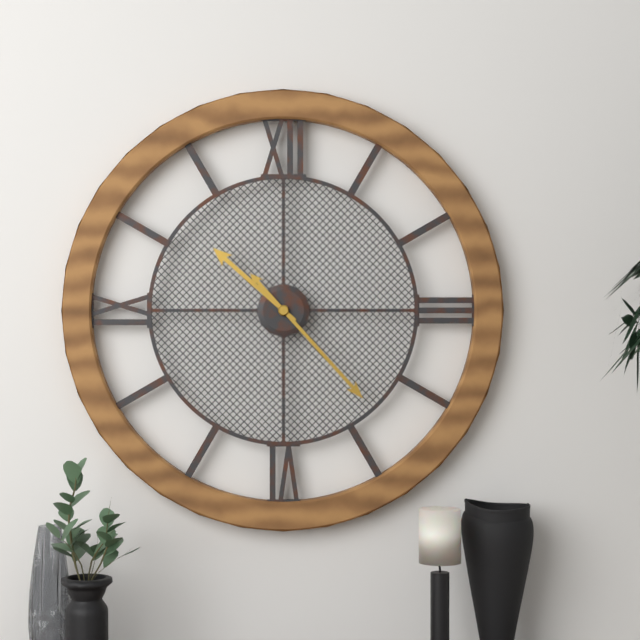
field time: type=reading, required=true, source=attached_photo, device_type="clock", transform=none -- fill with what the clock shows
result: 10:23
